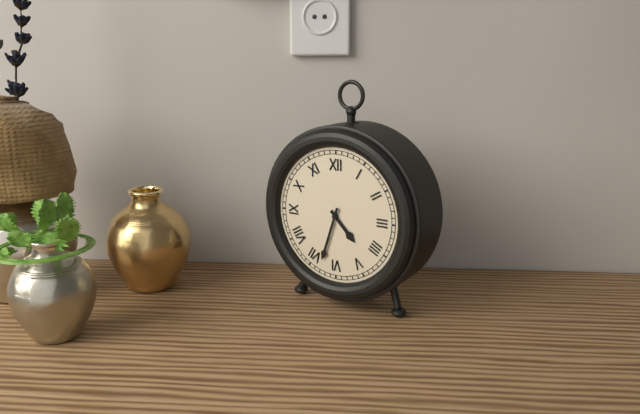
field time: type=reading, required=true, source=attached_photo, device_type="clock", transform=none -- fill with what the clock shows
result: 4:33
